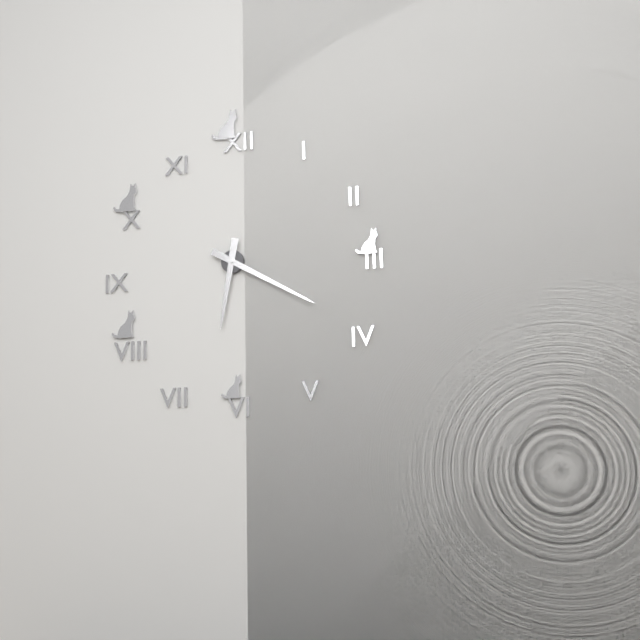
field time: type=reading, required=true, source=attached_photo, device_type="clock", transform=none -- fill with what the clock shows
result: 6:20
